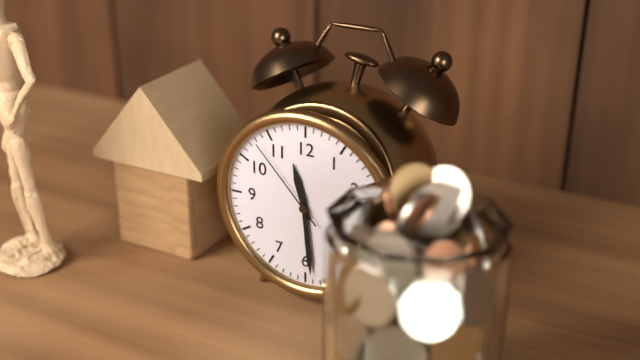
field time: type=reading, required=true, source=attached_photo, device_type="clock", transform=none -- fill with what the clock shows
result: 11:29:53
